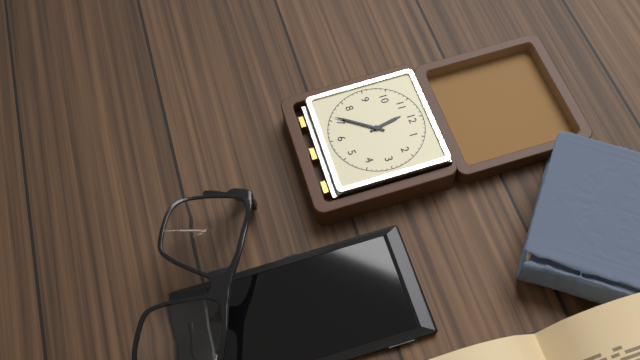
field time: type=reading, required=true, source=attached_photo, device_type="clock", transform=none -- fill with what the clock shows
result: 11:36
